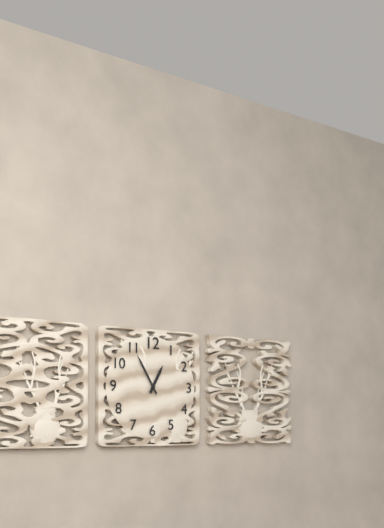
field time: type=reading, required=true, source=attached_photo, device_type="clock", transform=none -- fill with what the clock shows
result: 12:55
